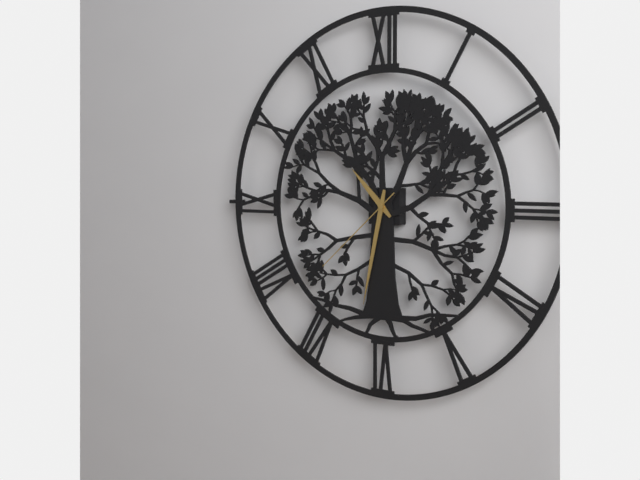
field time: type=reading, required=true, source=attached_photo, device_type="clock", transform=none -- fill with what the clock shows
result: 10:32:38
